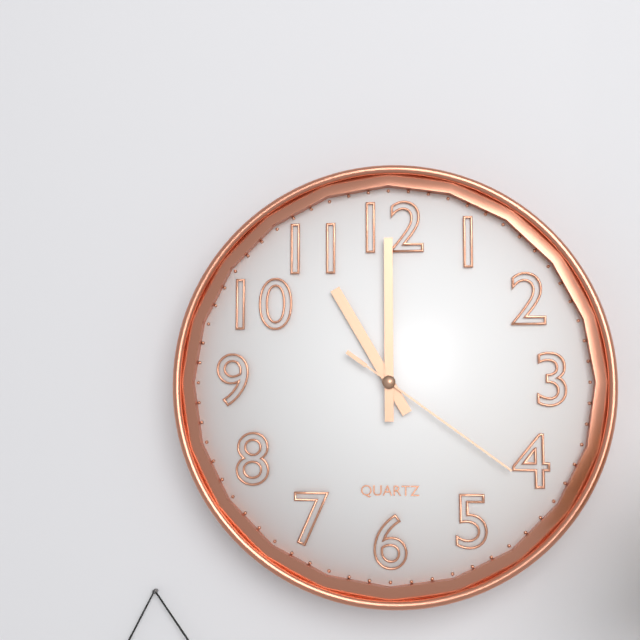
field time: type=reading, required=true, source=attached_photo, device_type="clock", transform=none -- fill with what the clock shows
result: 11:00:21
